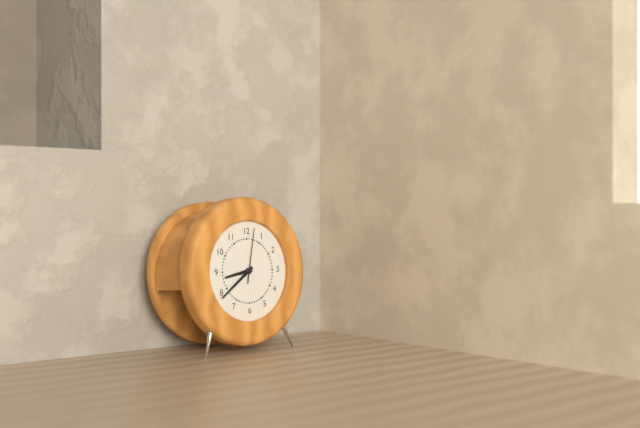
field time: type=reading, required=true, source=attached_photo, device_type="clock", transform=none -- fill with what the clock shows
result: 8:39:02
